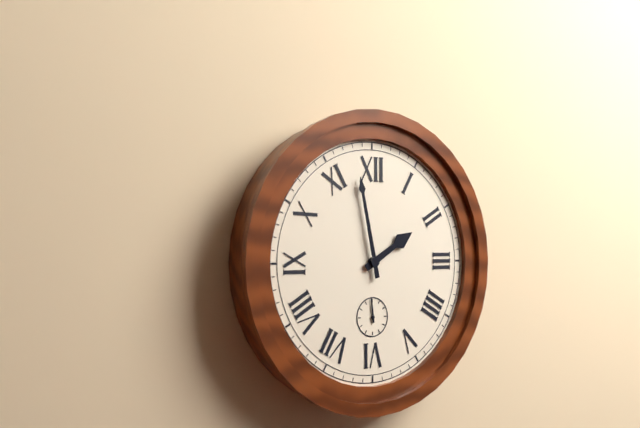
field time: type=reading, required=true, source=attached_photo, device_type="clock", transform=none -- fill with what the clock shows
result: 1:58
